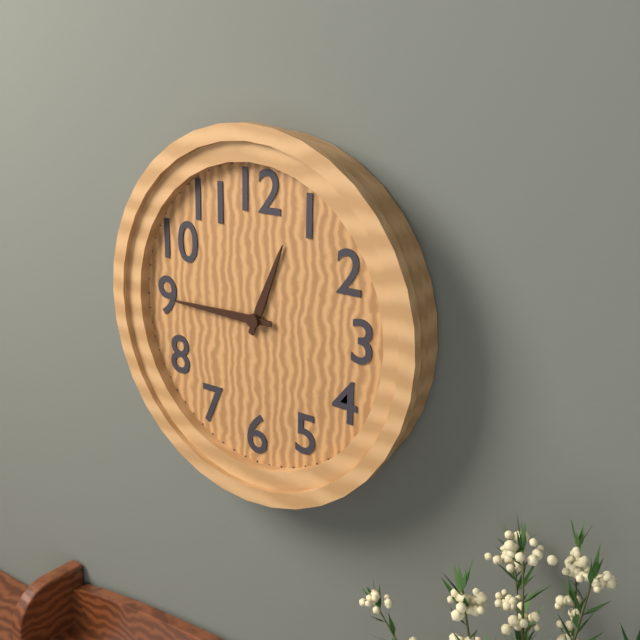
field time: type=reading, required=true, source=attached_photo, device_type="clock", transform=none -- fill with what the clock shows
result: 12:45
